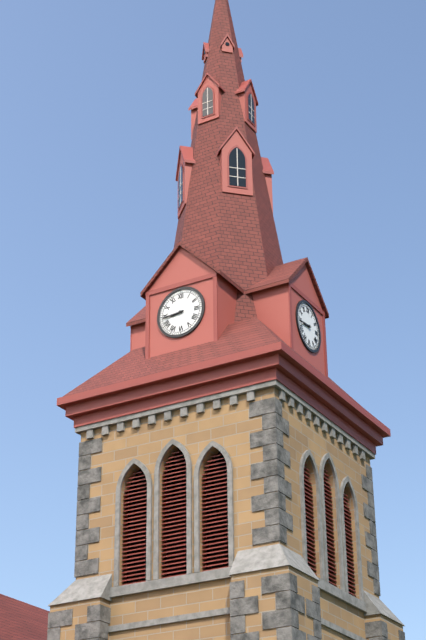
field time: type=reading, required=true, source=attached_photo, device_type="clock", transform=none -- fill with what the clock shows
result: 8:44
